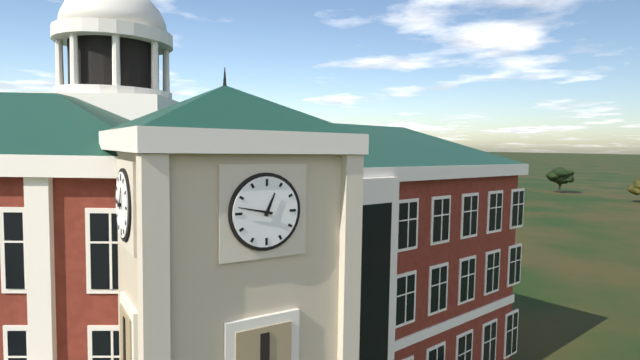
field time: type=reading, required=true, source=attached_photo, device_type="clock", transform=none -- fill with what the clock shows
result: 12:47
